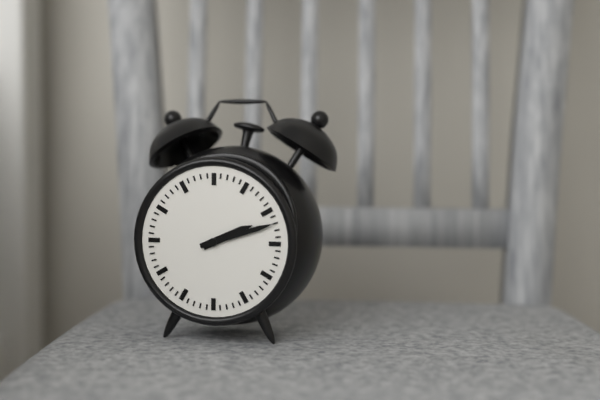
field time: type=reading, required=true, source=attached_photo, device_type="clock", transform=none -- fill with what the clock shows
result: 2:12
